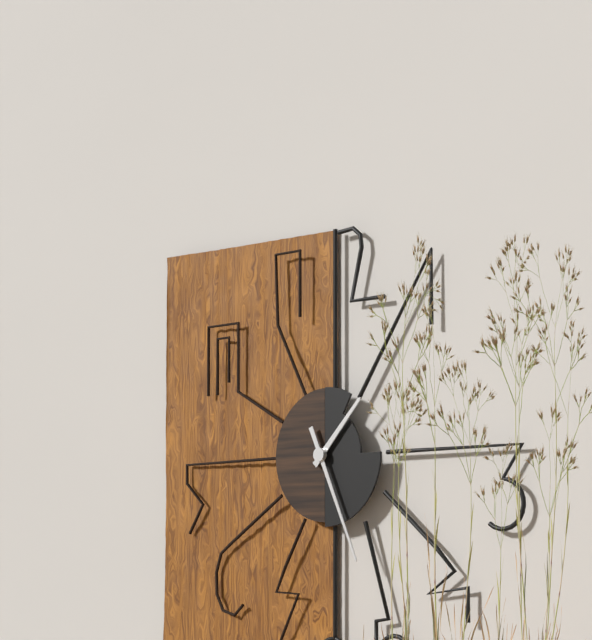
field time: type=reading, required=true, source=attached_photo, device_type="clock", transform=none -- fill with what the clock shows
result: 1:26
